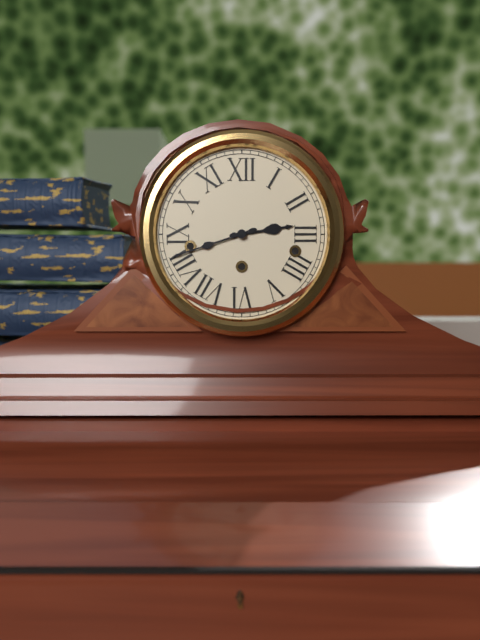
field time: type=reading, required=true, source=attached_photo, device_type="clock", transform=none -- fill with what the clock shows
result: 2:42
